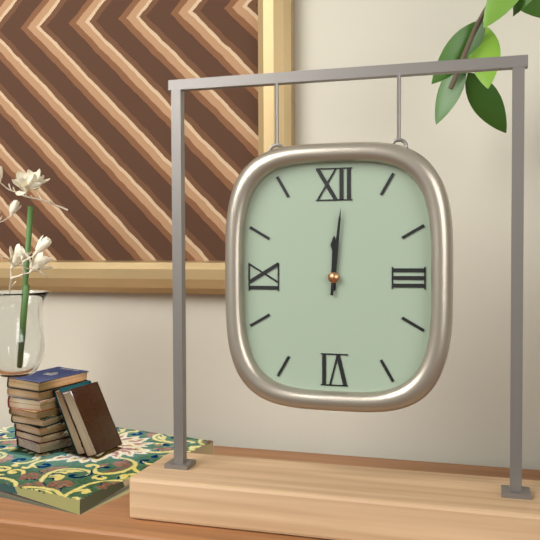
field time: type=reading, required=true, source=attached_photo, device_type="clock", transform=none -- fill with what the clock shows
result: 12:01
